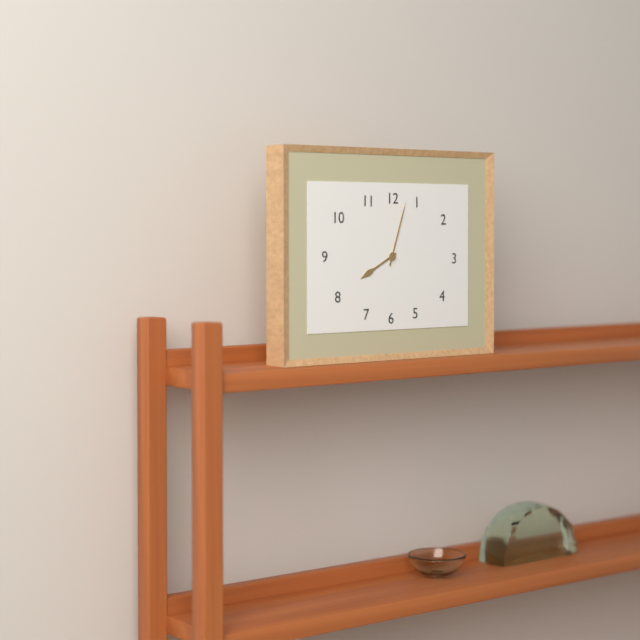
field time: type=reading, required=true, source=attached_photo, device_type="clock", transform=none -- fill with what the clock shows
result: 8:03
